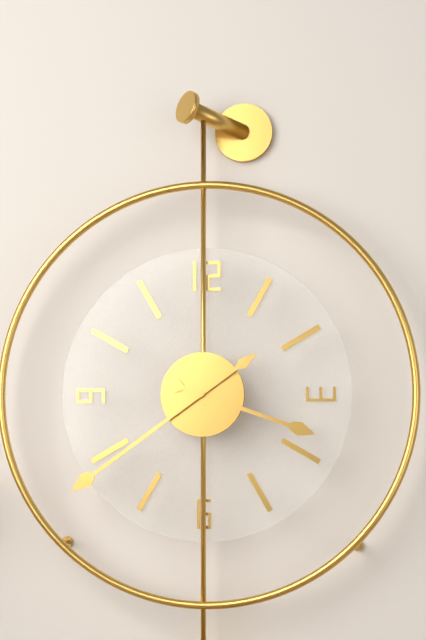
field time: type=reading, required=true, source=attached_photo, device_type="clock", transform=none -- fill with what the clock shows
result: 3:39
